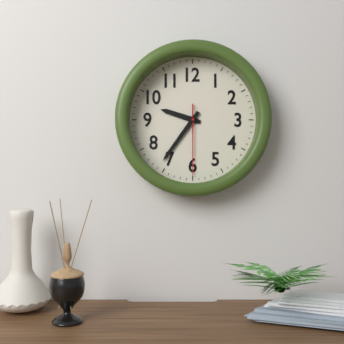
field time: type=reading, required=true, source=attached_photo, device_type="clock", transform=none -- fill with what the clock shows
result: 9:36:30
